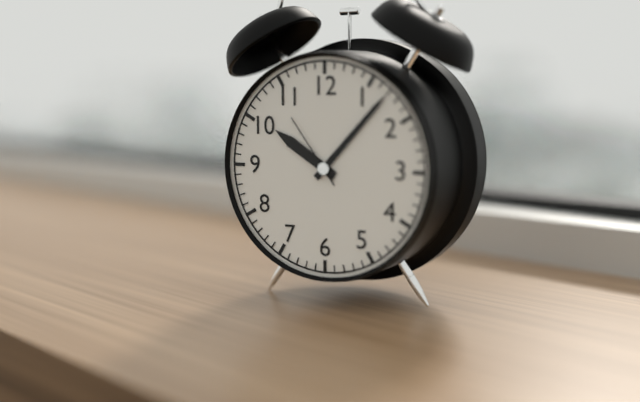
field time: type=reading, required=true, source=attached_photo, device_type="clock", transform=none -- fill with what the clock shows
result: 10:07:54
